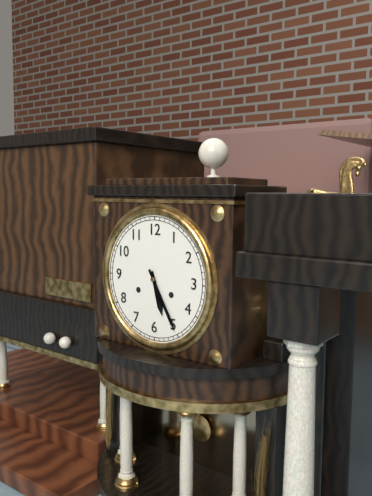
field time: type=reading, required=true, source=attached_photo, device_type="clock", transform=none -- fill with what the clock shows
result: 5:25
